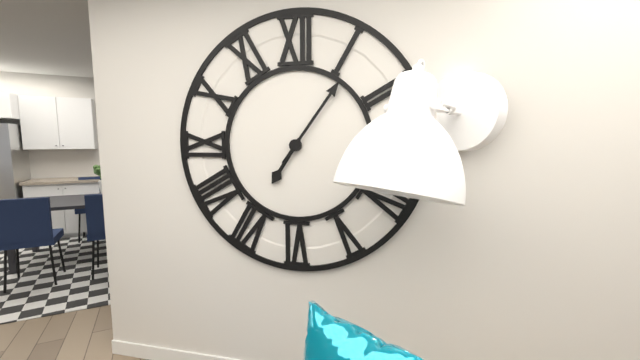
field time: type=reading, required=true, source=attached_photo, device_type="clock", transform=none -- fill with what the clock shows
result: 7:06
